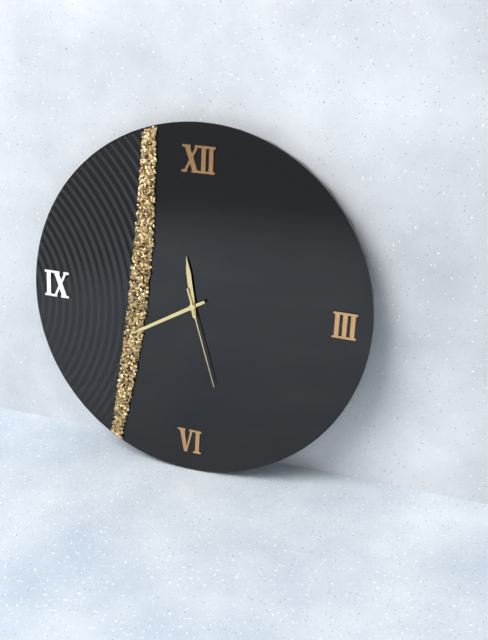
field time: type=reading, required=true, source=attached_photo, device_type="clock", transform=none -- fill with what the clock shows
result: 11:40:27
